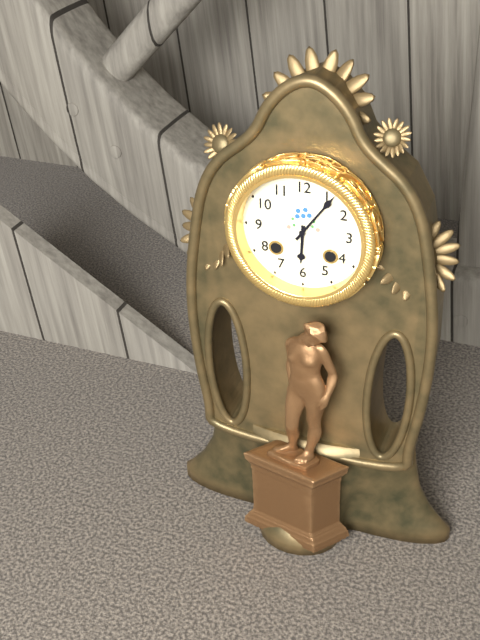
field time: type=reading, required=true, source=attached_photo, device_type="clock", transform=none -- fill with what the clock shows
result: 6:06
